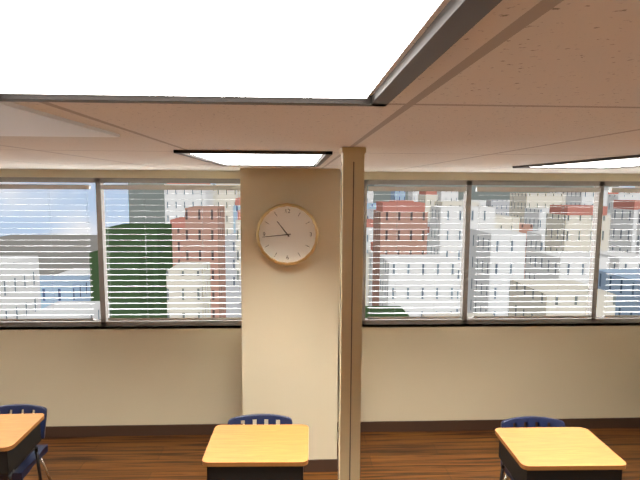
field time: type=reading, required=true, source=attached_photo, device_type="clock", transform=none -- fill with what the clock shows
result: 10:44
